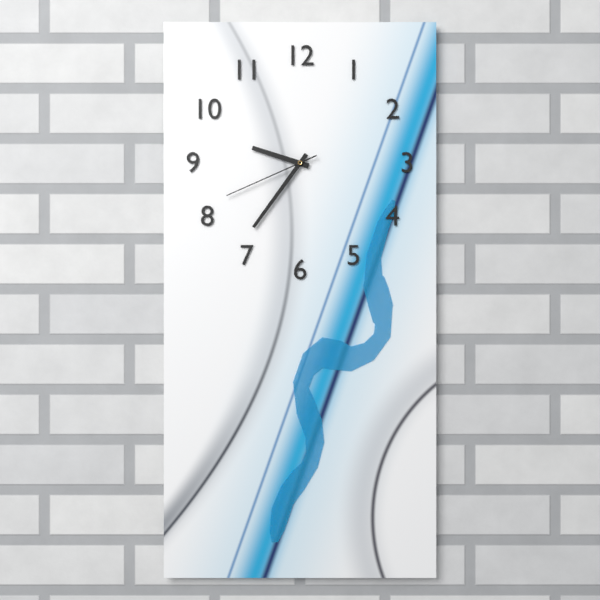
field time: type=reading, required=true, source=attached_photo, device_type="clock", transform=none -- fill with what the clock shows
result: 9:36:41
